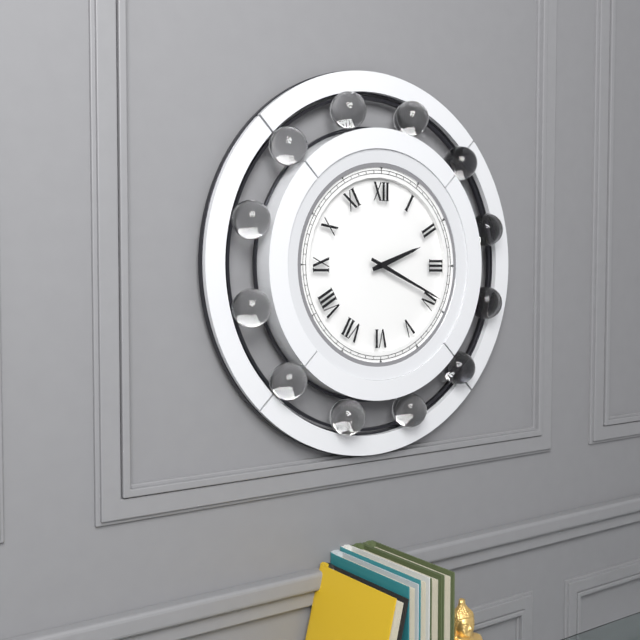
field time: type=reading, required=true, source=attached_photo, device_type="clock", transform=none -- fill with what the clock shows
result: 2:19
